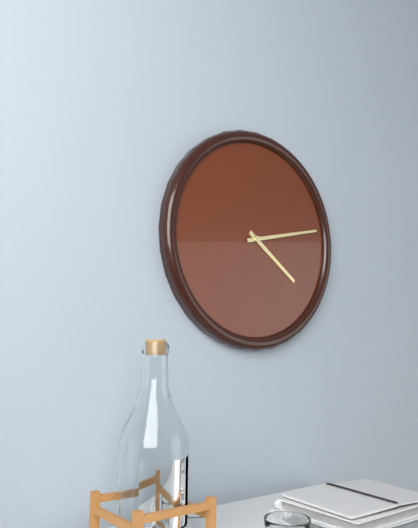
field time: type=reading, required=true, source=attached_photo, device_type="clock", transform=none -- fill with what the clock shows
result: 4:13
